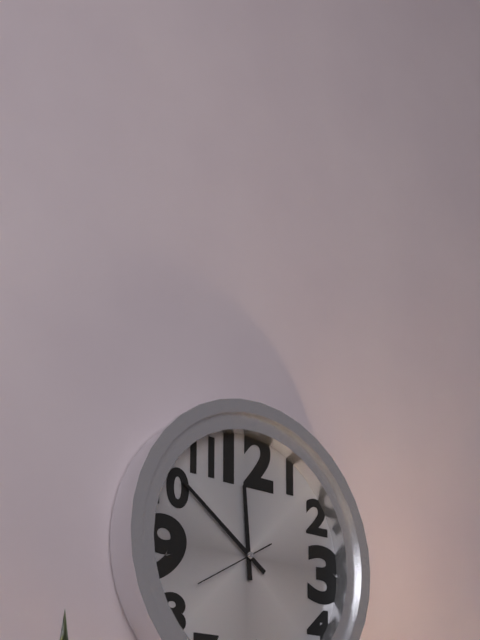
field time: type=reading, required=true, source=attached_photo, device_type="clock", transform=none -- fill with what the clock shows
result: 11:51:40
